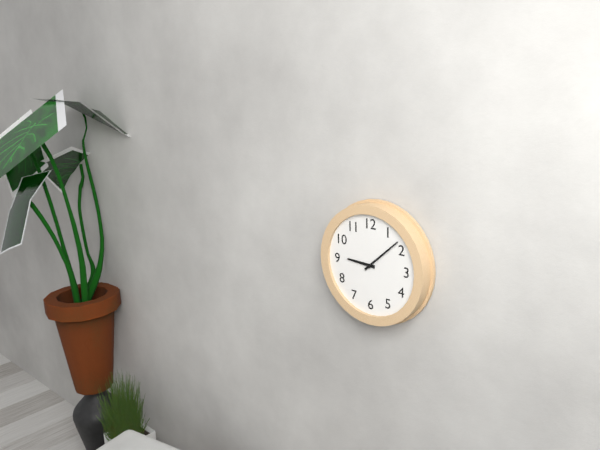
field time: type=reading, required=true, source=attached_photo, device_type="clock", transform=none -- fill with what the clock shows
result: 9:08
